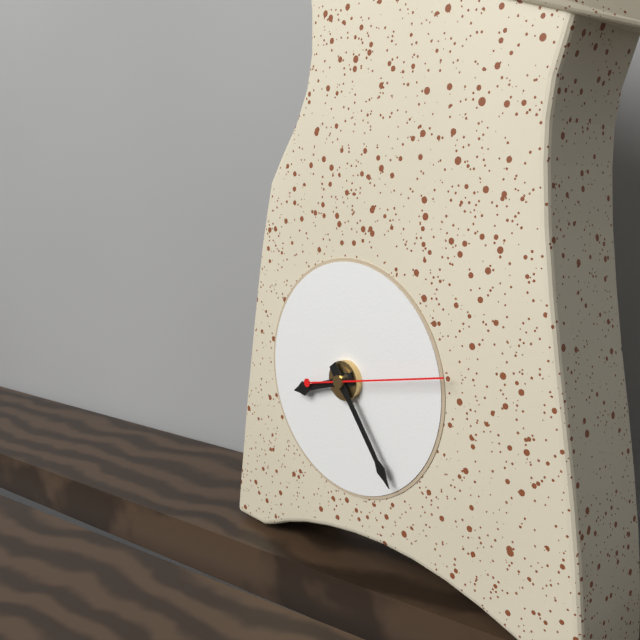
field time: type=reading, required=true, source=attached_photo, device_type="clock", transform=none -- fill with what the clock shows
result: 8:24:13
